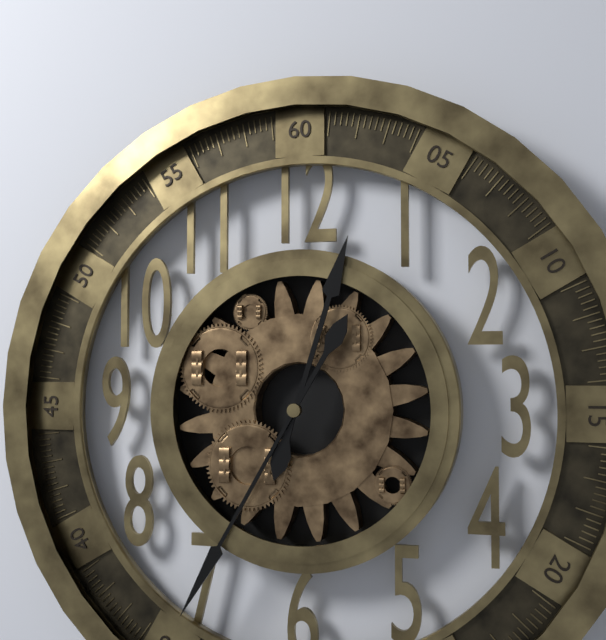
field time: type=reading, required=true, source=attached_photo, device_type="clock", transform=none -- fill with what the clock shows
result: 12:35
